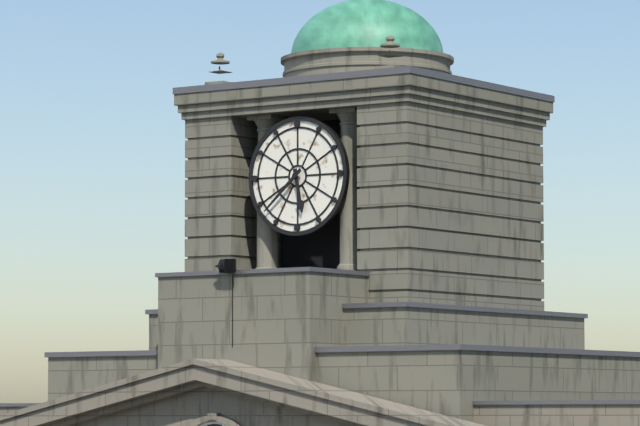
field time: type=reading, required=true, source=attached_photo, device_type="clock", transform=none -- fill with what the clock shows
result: 5:38
